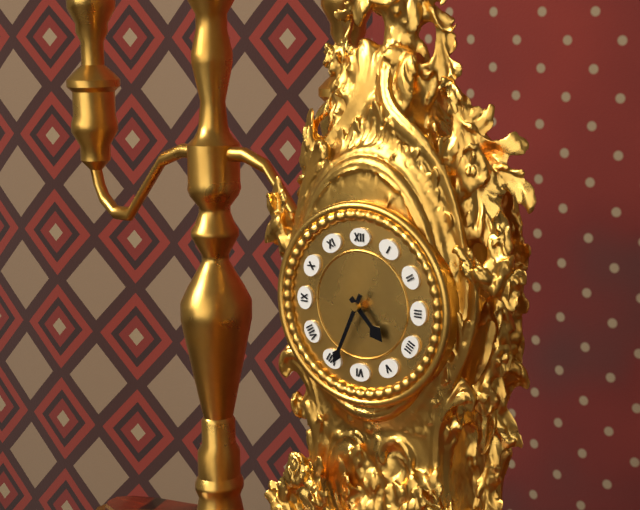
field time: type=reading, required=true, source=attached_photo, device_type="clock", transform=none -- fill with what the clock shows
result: 4:34
